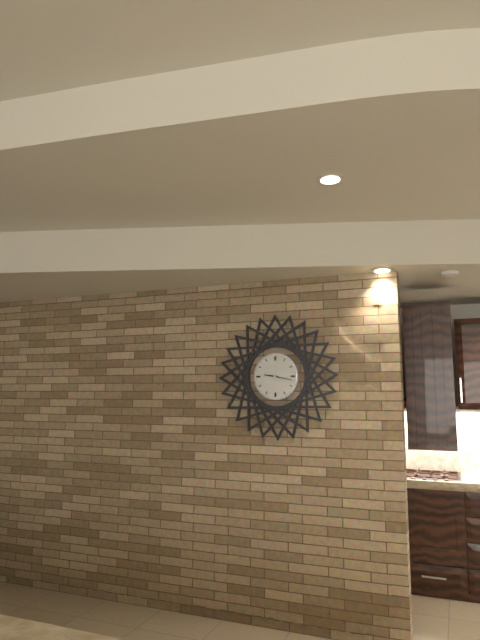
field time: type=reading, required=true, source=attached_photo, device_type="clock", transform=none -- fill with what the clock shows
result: 9:17
